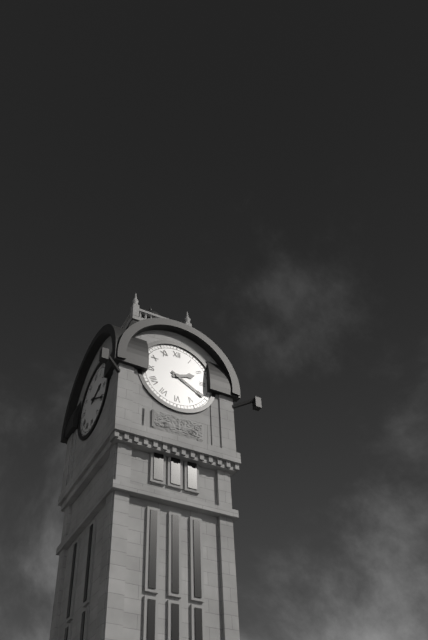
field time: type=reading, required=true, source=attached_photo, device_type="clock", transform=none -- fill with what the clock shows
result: 2:20
